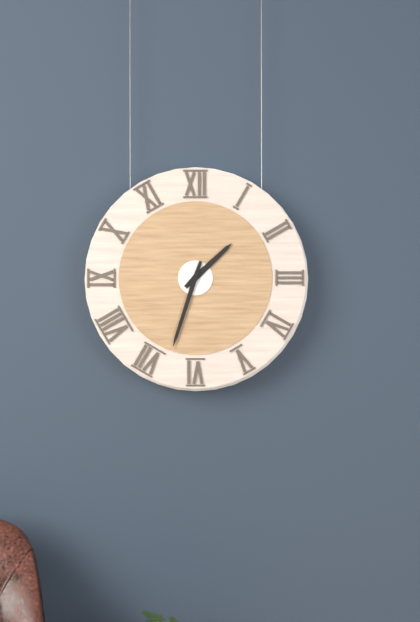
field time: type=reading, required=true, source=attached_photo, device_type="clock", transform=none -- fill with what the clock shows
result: 1:33
